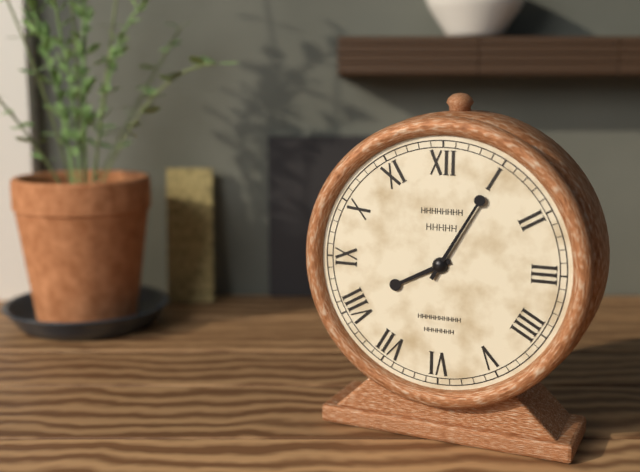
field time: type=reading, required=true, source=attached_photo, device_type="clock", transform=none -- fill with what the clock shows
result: 8:05
